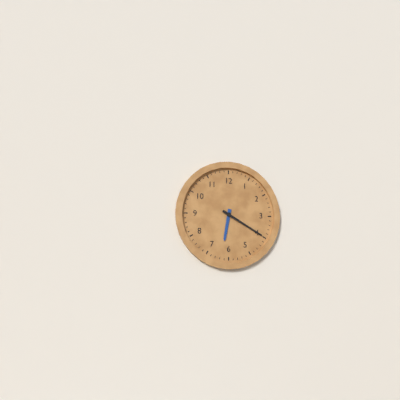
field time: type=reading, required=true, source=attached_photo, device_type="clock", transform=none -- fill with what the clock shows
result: 6:20
